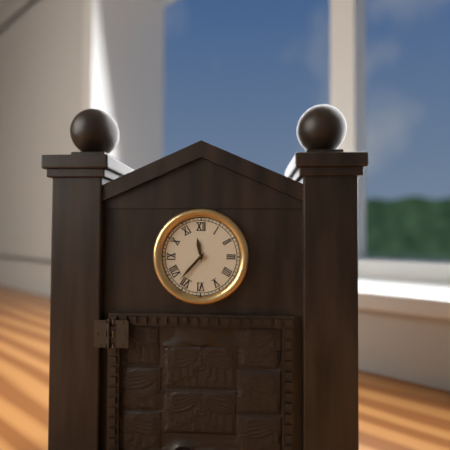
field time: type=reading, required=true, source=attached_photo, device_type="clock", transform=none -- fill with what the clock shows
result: 11:37
